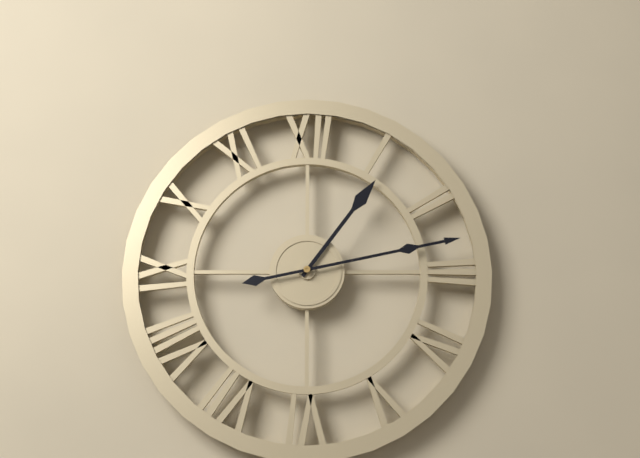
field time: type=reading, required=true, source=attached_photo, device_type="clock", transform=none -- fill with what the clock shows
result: 1:13
